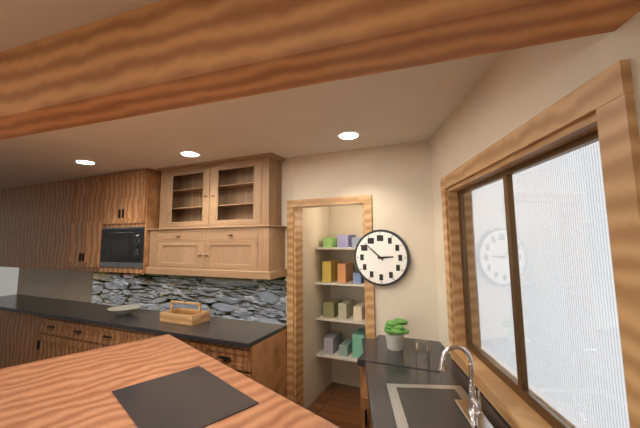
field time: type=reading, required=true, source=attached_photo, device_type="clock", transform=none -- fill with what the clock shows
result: 2:52
